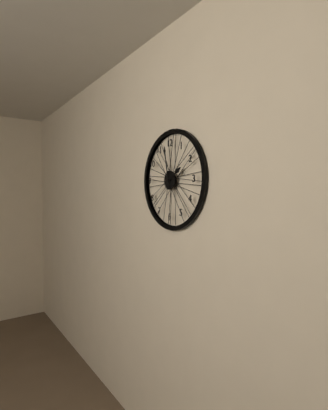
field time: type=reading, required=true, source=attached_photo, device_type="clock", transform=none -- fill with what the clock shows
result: 1:58
